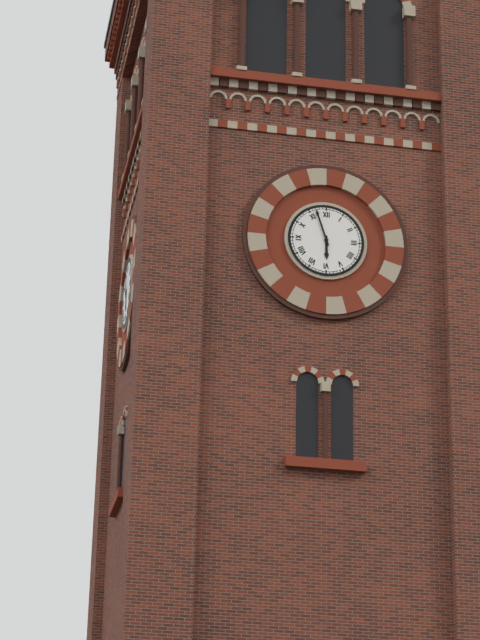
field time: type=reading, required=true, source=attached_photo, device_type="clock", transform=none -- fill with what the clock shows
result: 5:57
